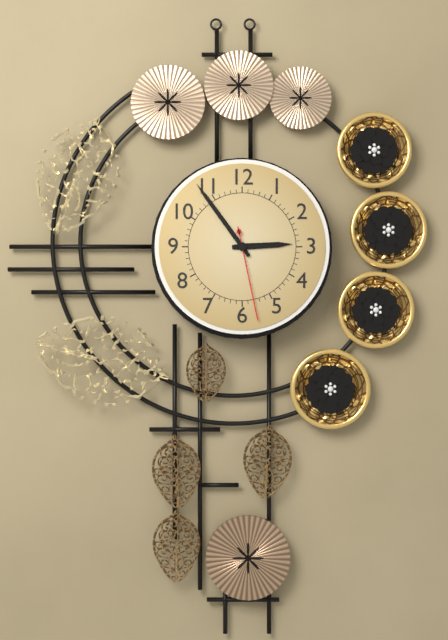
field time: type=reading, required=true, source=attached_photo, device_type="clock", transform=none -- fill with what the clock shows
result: 2:54:28
